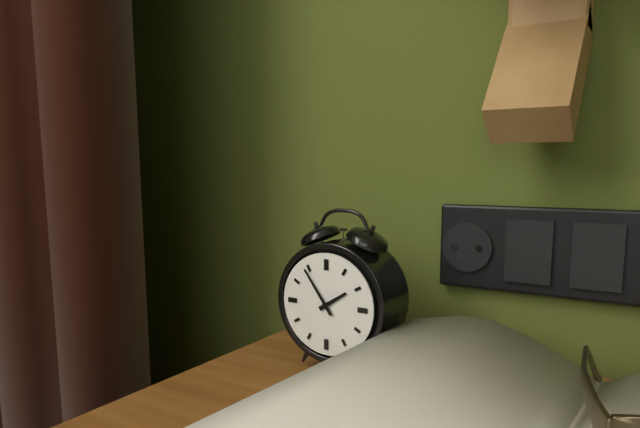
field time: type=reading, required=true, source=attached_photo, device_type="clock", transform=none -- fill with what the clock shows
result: 1:54
